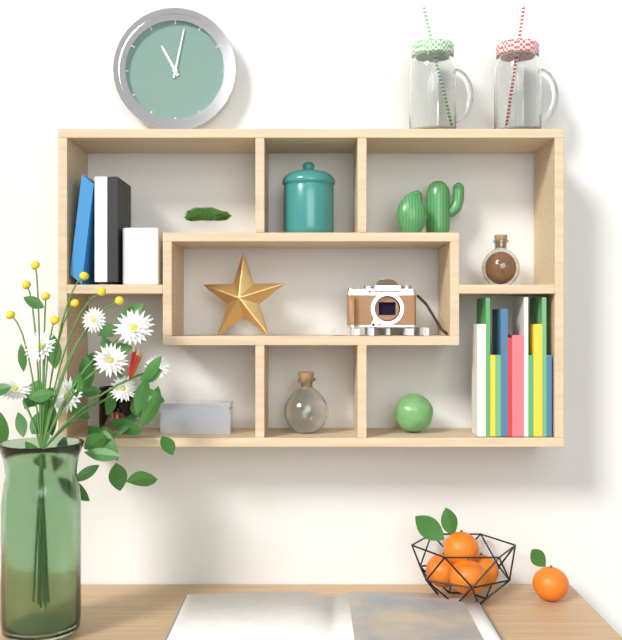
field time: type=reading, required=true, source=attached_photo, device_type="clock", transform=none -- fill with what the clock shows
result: 11:02
